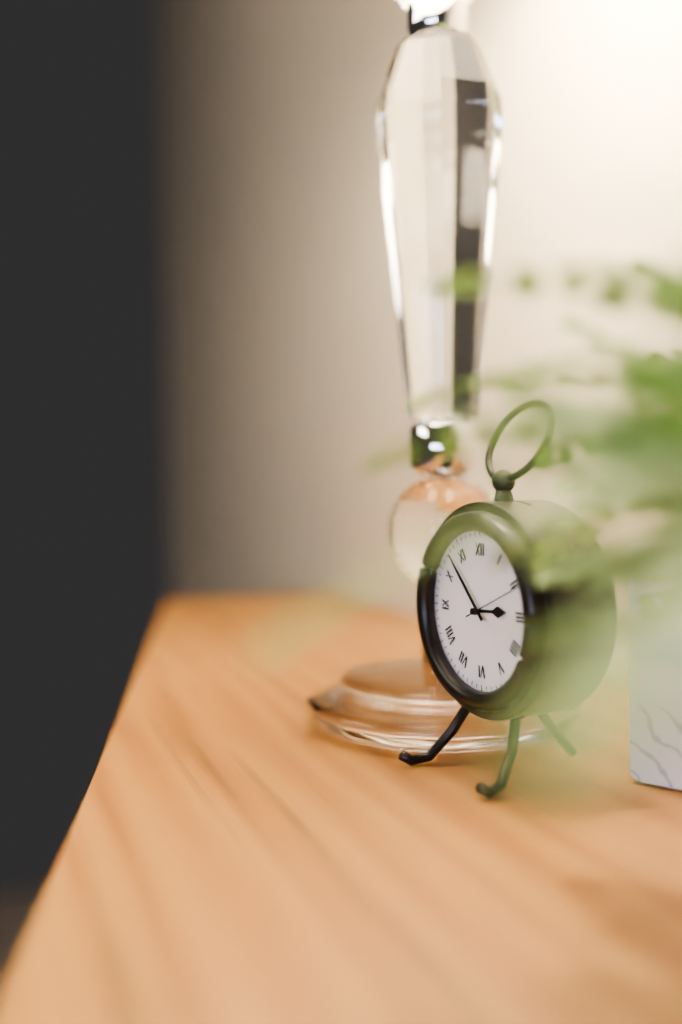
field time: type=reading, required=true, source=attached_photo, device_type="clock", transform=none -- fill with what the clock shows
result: 2:53:11
